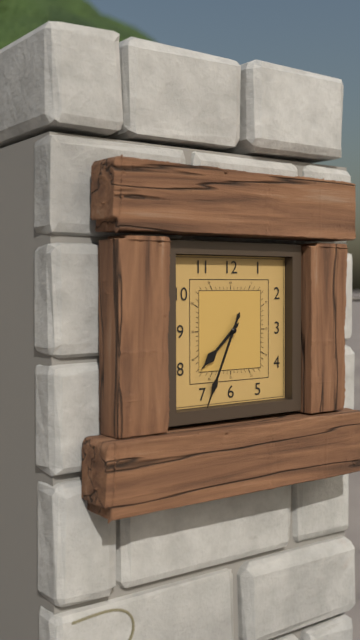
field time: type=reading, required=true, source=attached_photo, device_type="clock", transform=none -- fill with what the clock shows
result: 7:34
